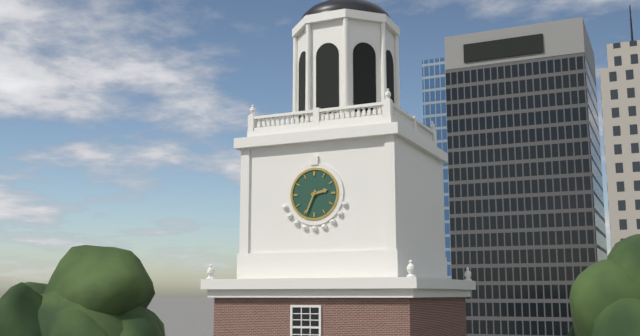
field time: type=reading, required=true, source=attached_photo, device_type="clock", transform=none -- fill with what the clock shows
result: 2:34
